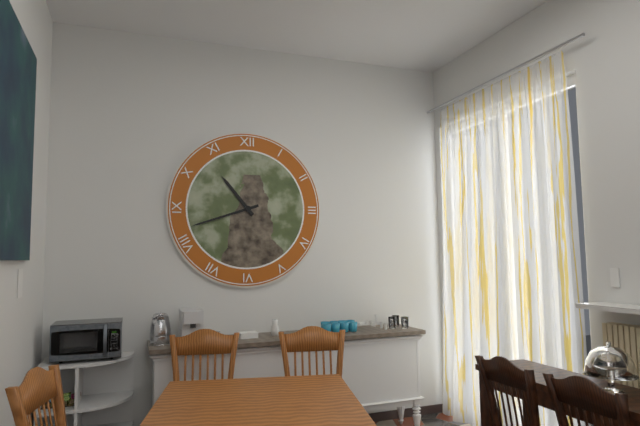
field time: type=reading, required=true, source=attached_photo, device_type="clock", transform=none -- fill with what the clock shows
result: 10:42
